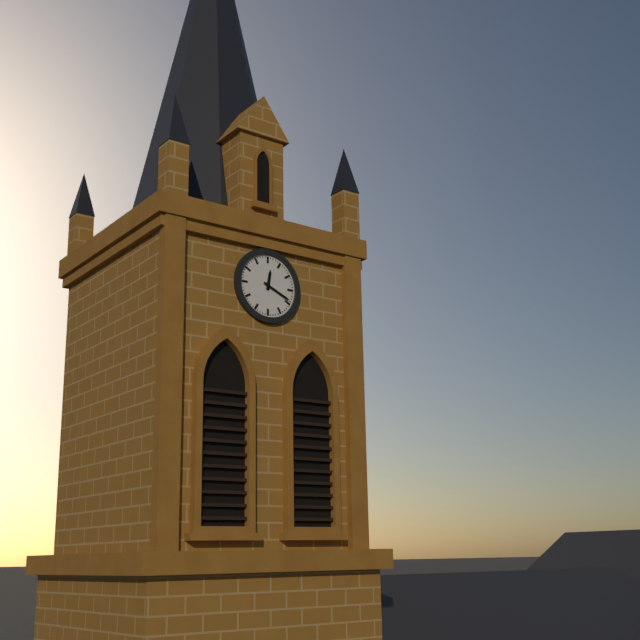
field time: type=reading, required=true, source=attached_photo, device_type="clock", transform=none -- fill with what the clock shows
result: 12:19
